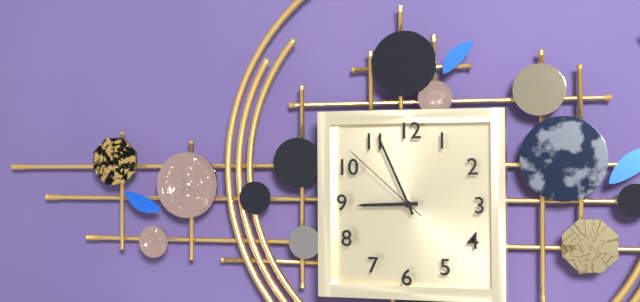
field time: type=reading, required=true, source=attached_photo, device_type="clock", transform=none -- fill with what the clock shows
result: 8:56:52
